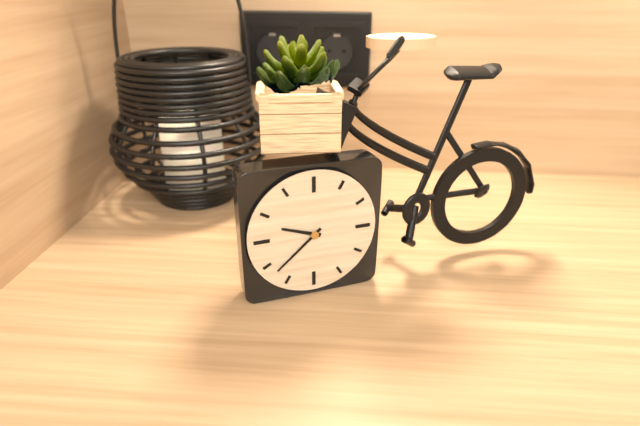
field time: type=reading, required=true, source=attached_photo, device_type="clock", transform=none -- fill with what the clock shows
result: 9:38
